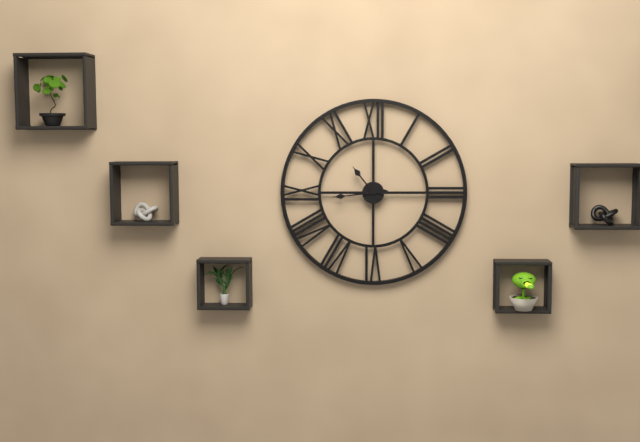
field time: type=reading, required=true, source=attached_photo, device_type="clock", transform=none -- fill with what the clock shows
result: 10:44
